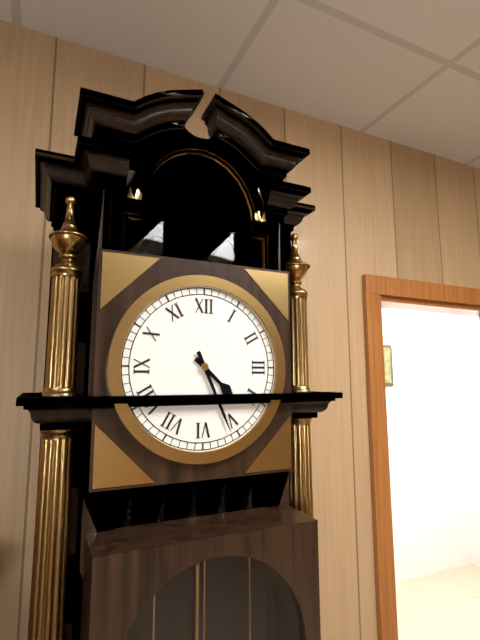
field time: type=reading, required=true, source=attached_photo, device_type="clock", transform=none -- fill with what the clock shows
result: 4:26
